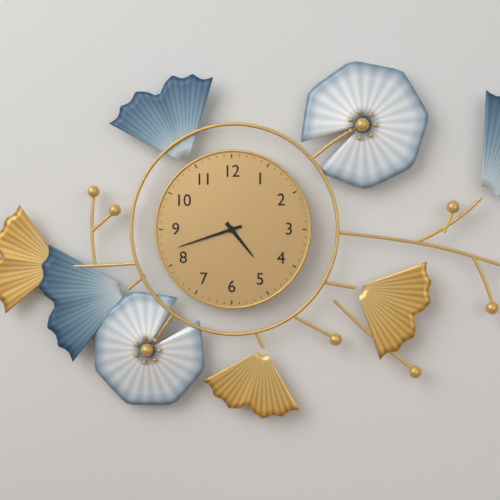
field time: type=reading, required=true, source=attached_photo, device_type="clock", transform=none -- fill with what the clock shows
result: 4:42
